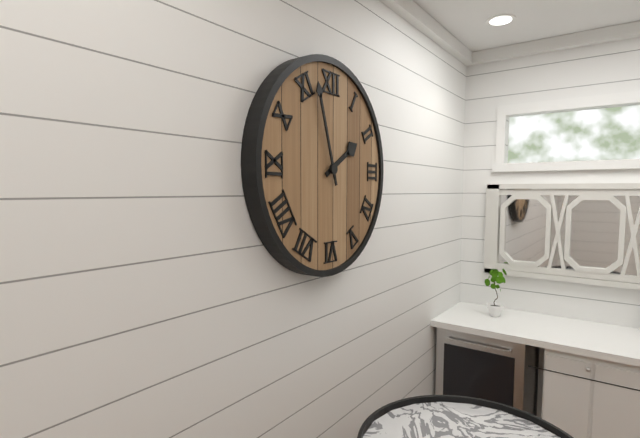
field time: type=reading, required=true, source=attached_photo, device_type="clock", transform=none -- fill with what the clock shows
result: 1:57
